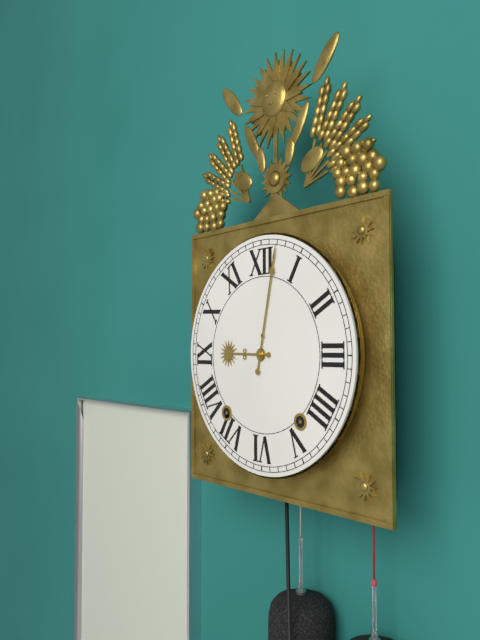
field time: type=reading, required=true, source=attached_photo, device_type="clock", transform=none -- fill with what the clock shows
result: 9:02
